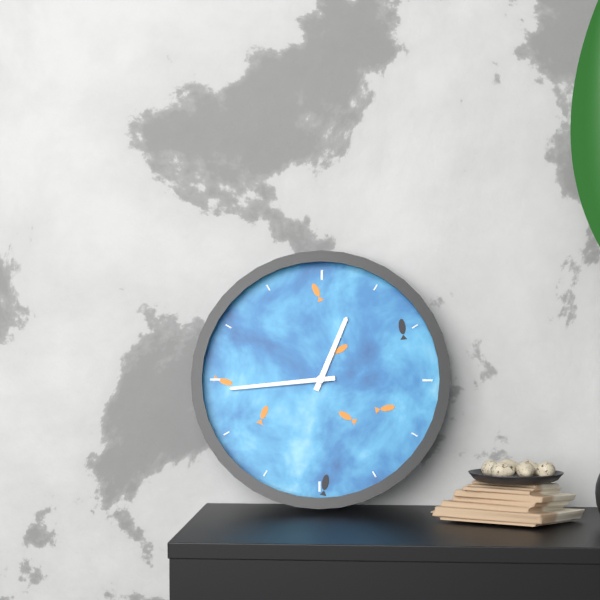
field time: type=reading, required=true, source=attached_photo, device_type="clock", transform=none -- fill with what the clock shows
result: 12:44
